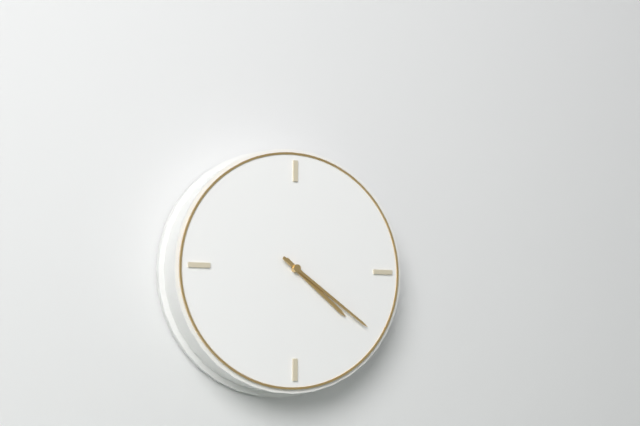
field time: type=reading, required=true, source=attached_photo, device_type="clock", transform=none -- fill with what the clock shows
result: 4:21
